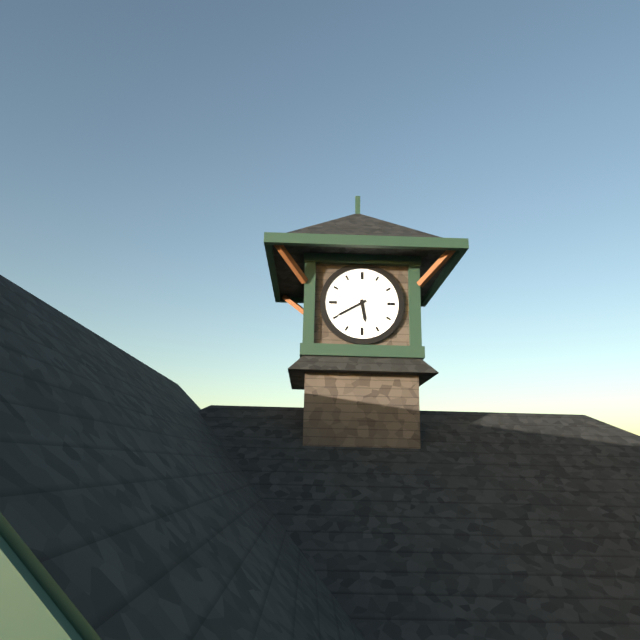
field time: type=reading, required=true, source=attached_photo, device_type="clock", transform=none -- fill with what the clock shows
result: 5:40
